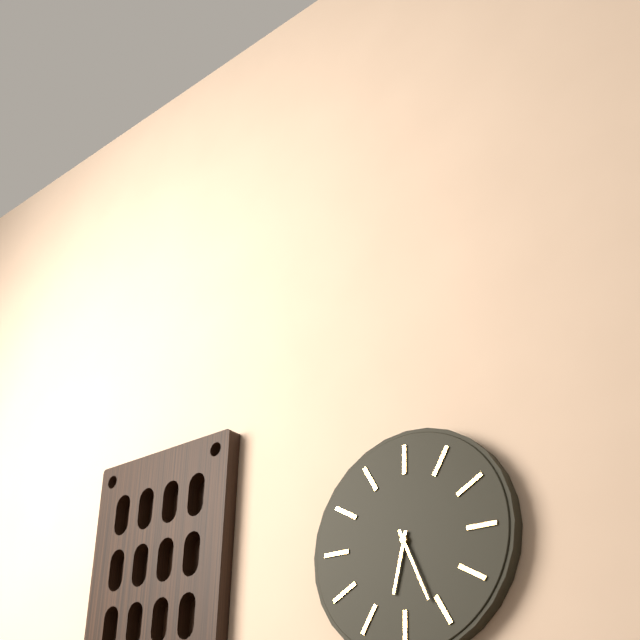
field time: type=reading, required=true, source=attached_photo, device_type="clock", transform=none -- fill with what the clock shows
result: 6:26
